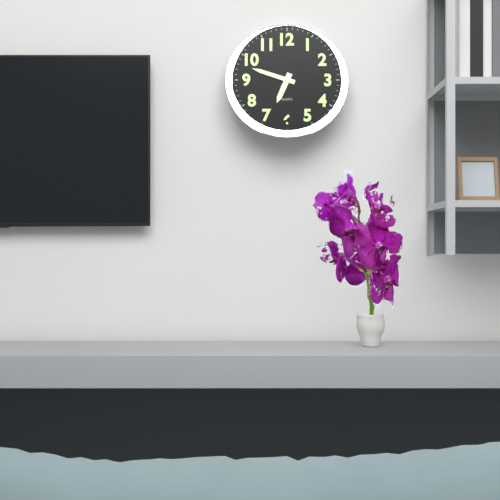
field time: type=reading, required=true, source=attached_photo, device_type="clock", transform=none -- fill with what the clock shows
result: 6:48
